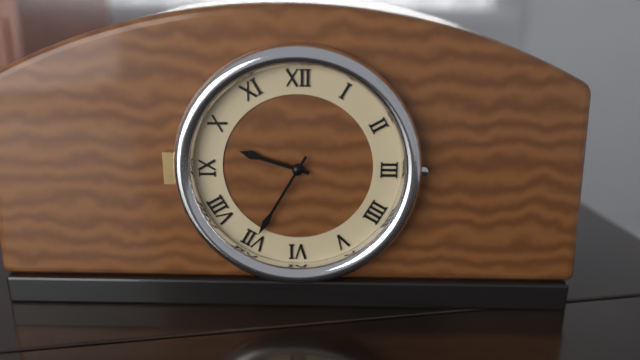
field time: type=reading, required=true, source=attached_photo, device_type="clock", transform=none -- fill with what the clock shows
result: 9:35
